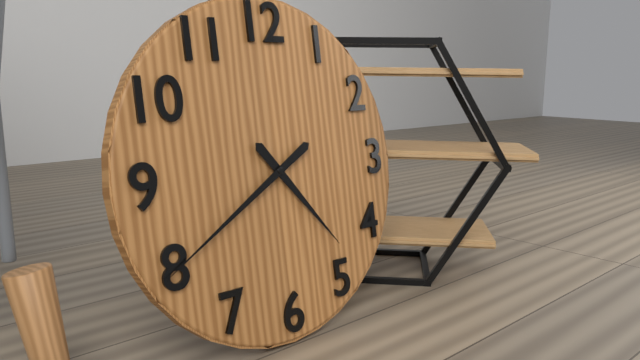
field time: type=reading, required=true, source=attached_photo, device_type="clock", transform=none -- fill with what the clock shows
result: 4:40
